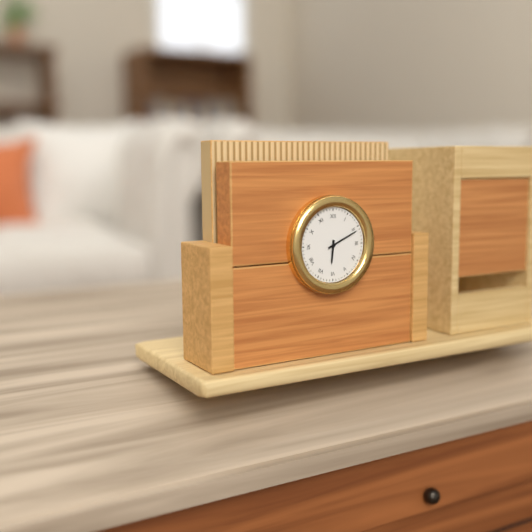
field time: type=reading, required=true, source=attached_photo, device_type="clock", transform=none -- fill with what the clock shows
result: 6:11
